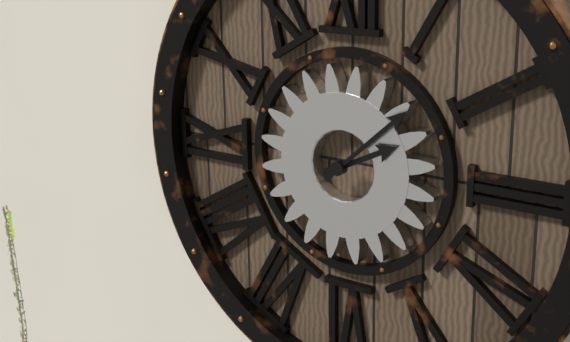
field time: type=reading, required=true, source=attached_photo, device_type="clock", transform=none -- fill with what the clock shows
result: 2:08
